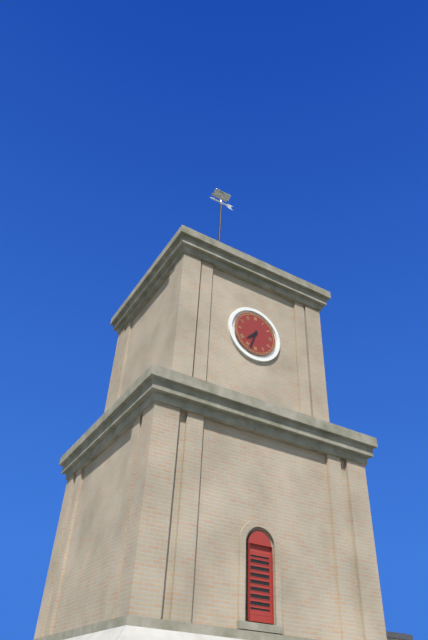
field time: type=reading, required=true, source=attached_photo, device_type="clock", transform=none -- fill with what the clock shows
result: 7:33
